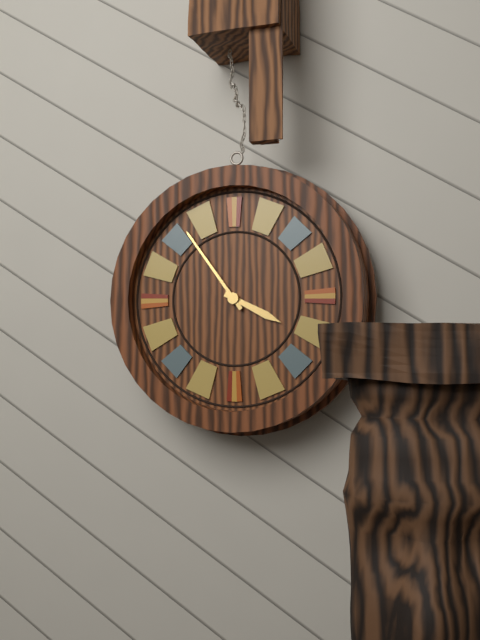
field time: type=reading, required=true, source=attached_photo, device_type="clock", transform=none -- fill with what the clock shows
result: 3:54
